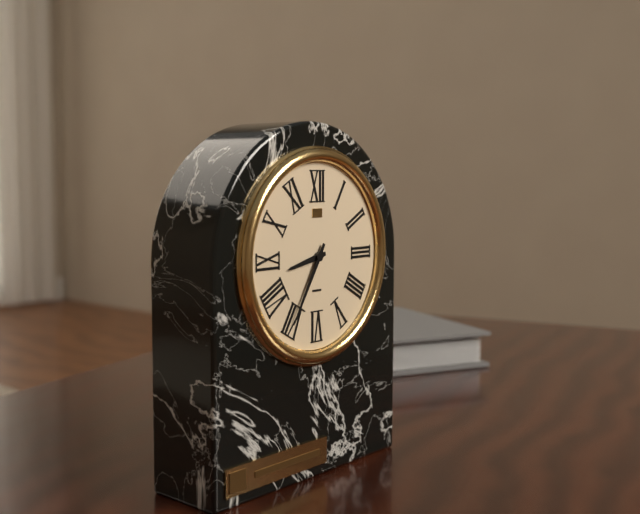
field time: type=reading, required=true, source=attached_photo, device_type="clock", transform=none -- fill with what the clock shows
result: 8:35
